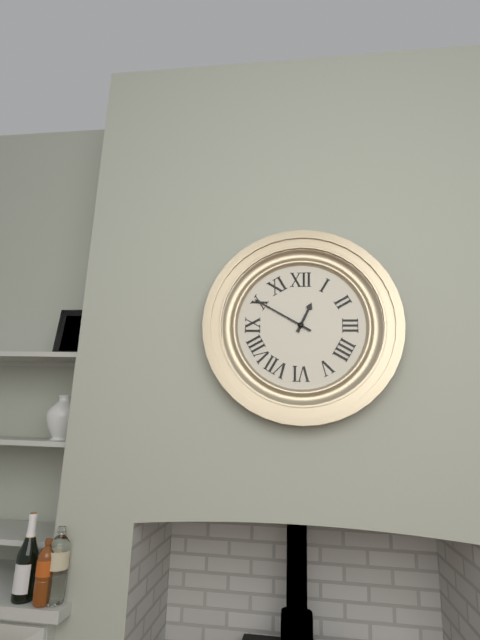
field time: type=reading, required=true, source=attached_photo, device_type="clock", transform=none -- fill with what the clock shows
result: 12:50
